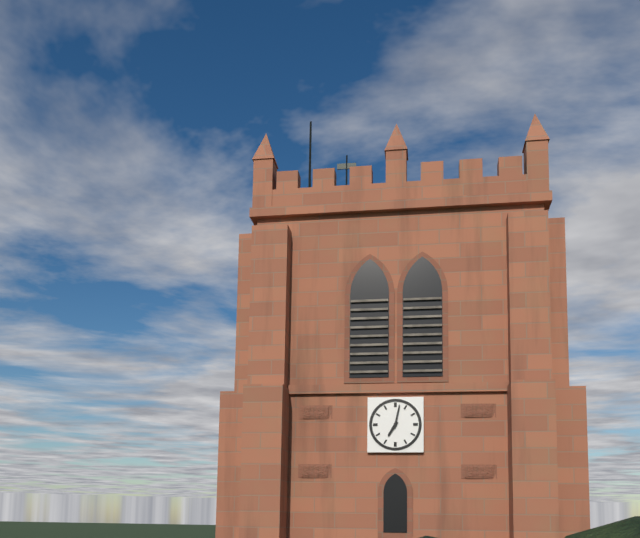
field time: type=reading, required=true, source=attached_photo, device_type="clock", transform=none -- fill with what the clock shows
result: 7:02
